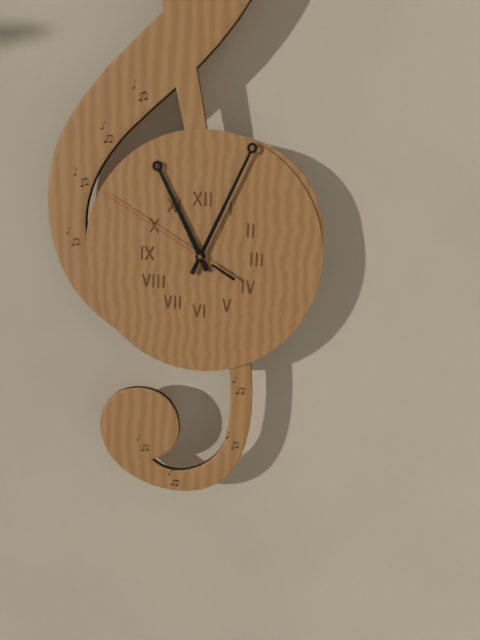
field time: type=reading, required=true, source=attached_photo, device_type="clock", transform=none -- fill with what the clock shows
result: 11:04:50
